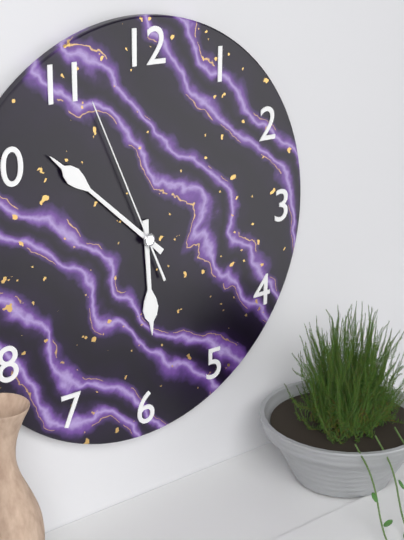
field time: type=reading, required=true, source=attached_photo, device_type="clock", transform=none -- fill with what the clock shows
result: 5:52:56
